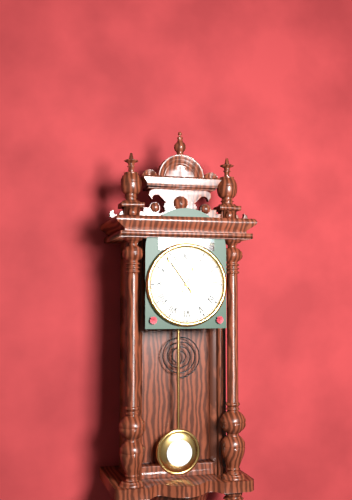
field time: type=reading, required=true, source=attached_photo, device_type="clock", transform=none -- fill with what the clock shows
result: 12:54
